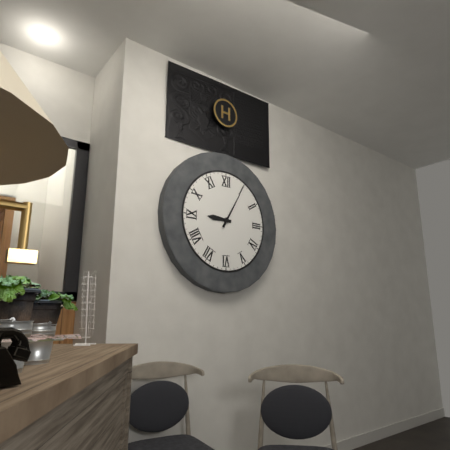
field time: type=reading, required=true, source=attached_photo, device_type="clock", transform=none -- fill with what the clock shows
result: 9:05
